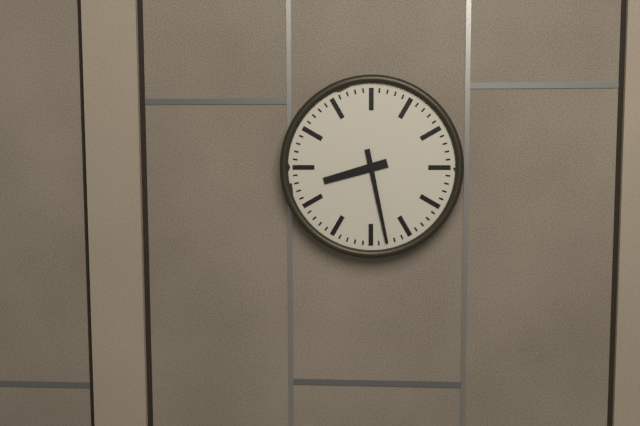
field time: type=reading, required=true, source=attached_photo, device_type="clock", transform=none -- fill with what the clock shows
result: 8:28
